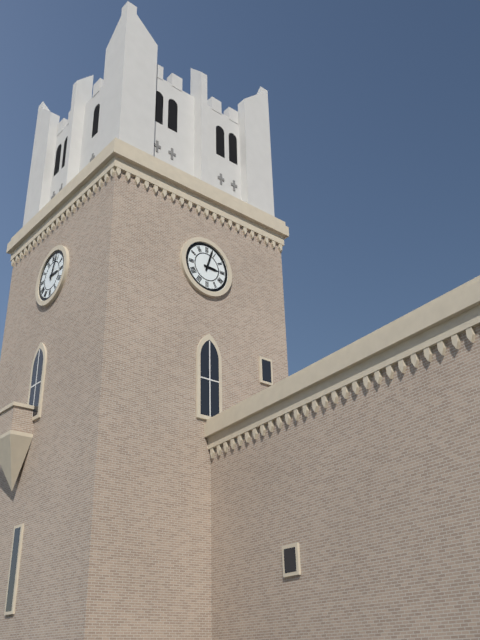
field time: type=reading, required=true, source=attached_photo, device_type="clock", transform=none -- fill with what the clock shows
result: 3:03
